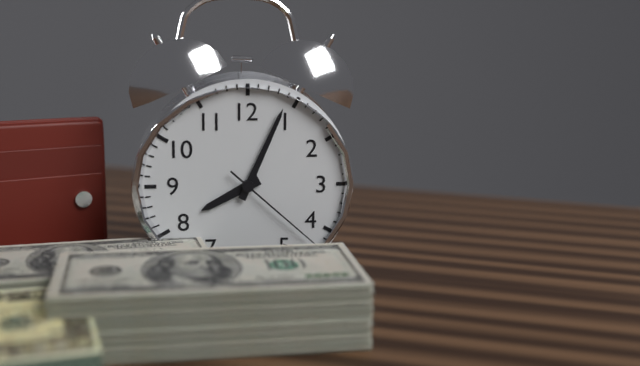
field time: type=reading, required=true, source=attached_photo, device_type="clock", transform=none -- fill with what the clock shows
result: 8:04:22
